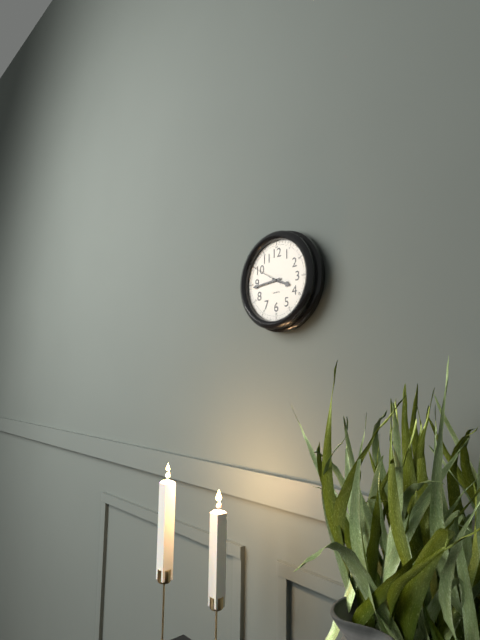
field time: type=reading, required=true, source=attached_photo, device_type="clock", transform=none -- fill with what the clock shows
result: 3:44
